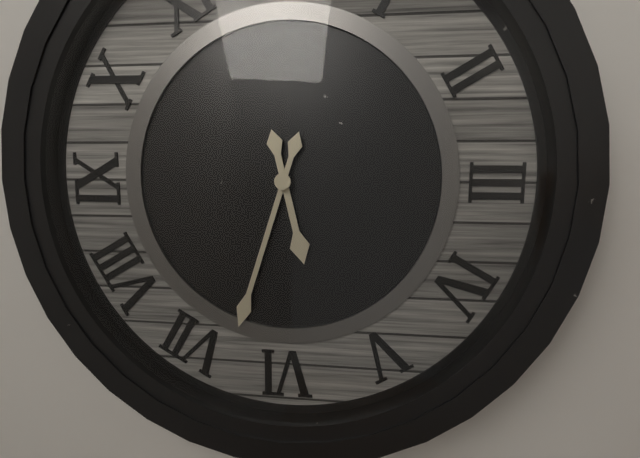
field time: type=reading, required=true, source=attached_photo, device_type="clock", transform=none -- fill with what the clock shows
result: 5:33
